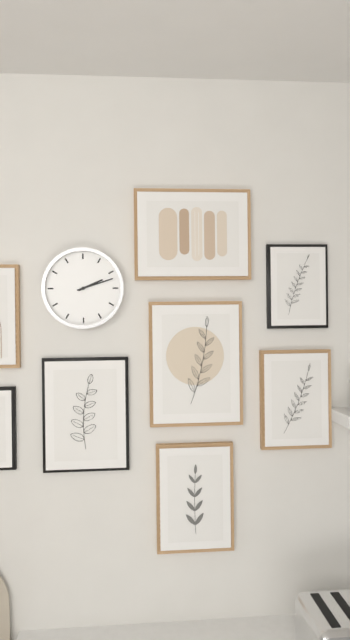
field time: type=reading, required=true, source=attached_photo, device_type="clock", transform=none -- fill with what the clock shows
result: 2:12
